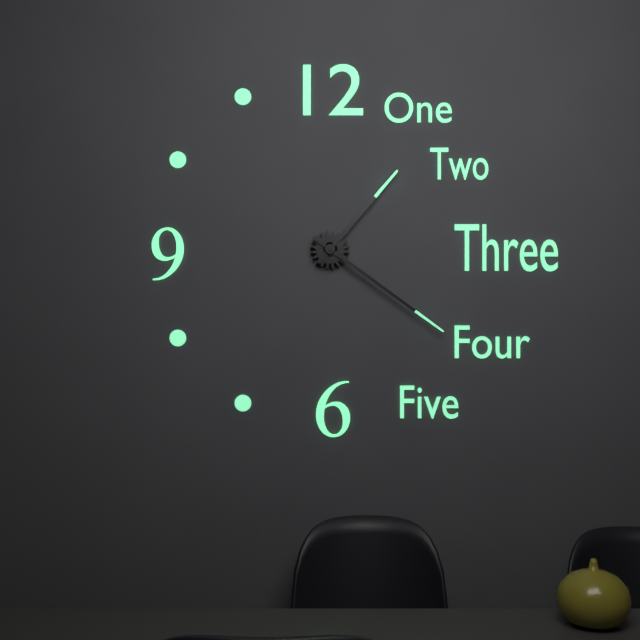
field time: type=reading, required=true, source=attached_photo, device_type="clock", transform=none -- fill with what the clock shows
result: 1:21
